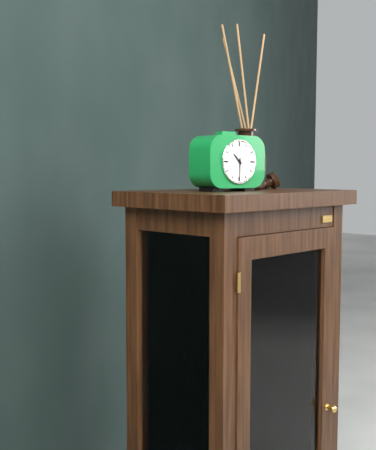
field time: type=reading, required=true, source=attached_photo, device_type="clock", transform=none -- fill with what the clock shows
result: 10:30
